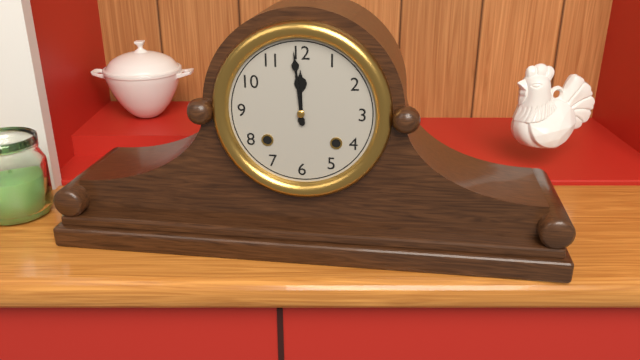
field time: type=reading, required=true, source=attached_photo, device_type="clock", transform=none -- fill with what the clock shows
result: 11:59
